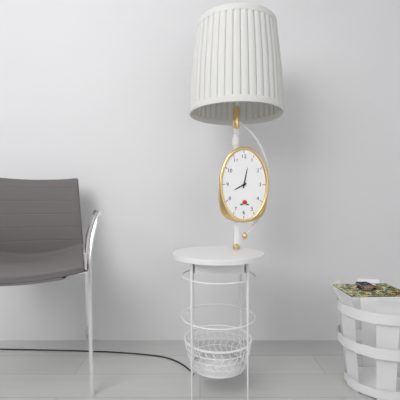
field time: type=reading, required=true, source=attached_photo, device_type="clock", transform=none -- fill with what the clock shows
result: 8:02
